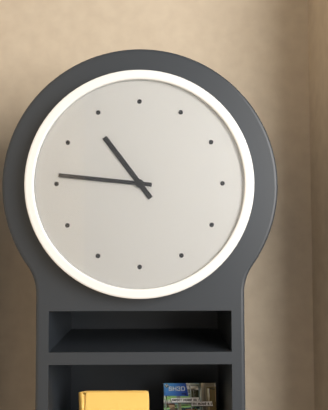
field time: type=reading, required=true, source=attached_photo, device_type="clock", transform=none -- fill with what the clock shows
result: 10:46
